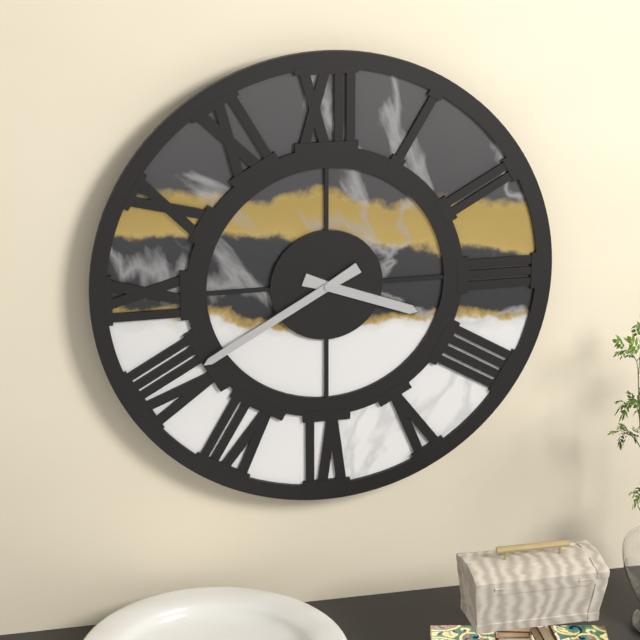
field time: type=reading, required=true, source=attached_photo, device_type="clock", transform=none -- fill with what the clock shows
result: 3:40
